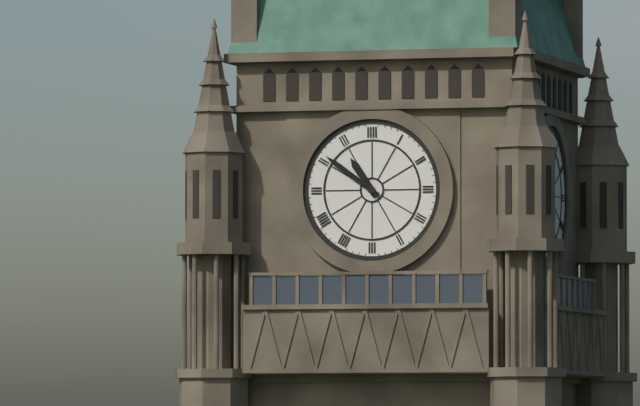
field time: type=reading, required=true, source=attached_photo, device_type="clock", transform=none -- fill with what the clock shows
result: 10:51
